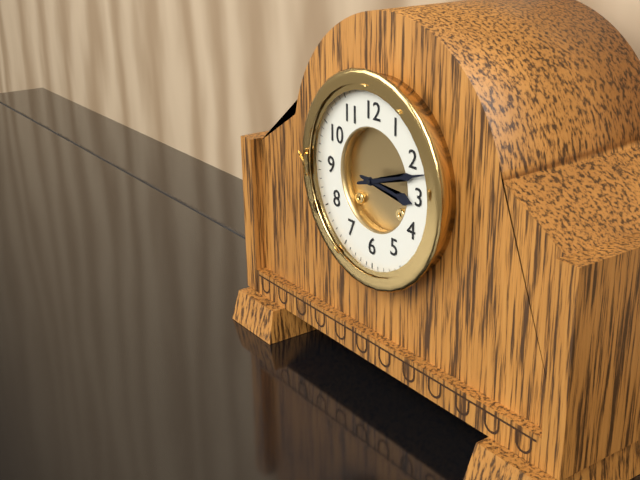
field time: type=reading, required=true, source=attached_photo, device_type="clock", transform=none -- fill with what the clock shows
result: 3:12
